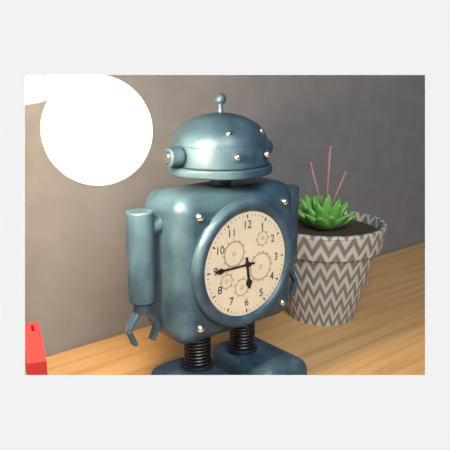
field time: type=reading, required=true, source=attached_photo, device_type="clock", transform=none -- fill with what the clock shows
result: 5:45
